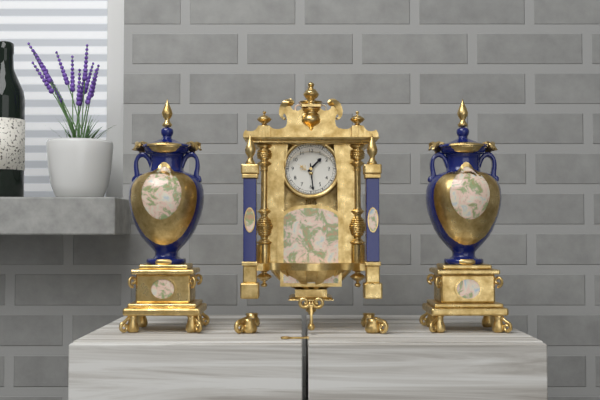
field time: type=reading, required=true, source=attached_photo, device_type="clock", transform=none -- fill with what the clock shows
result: 1:29
